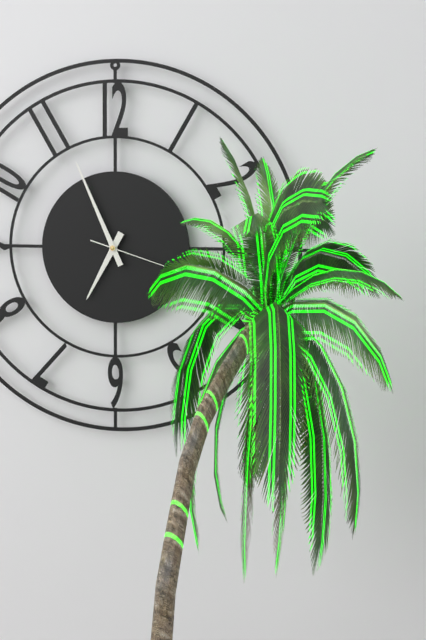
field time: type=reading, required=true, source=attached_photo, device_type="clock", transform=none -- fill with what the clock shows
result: 6:56:18
